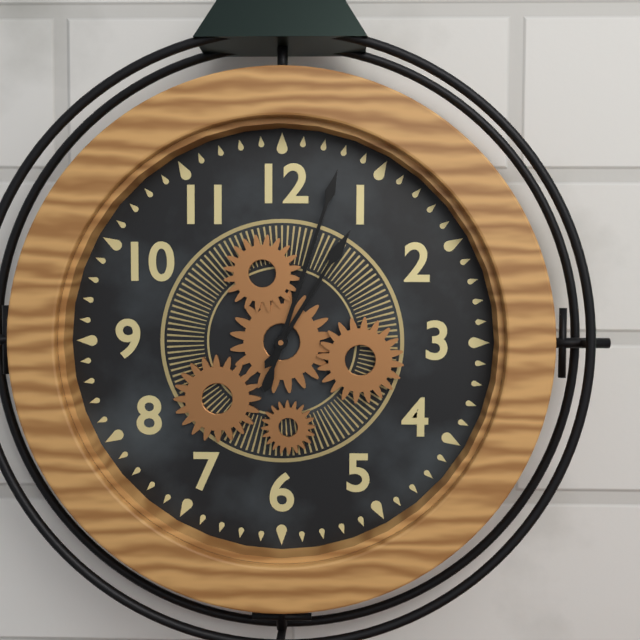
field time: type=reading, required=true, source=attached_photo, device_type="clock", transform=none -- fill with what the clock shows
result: 1:03
